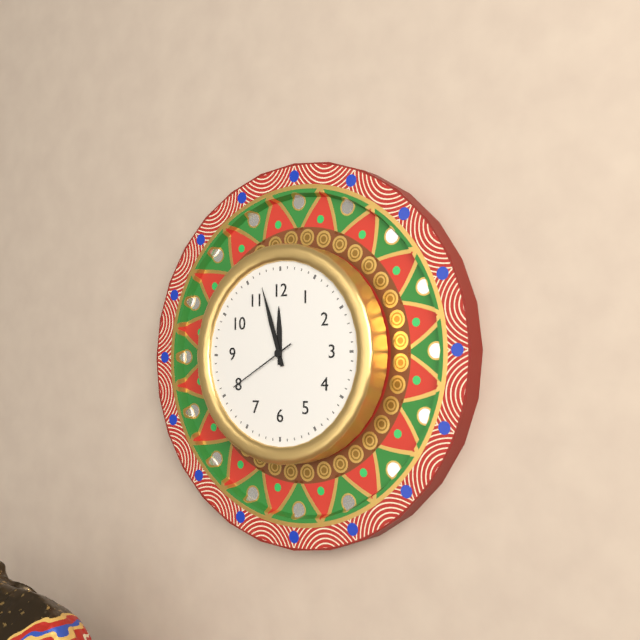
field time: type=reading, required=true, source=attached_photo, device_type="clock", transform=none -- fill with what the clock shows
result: 11:57:40
